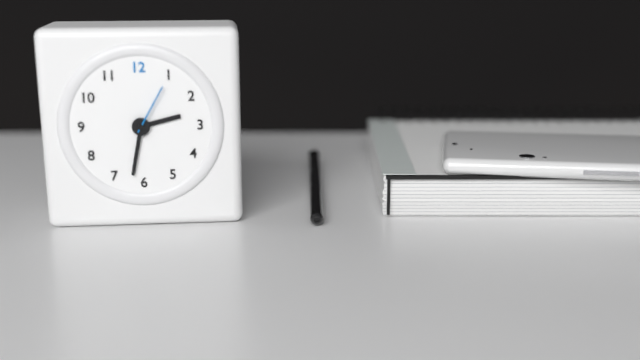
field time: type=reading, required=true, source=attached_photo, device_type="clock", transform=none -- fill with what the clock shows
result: 2:32:05
